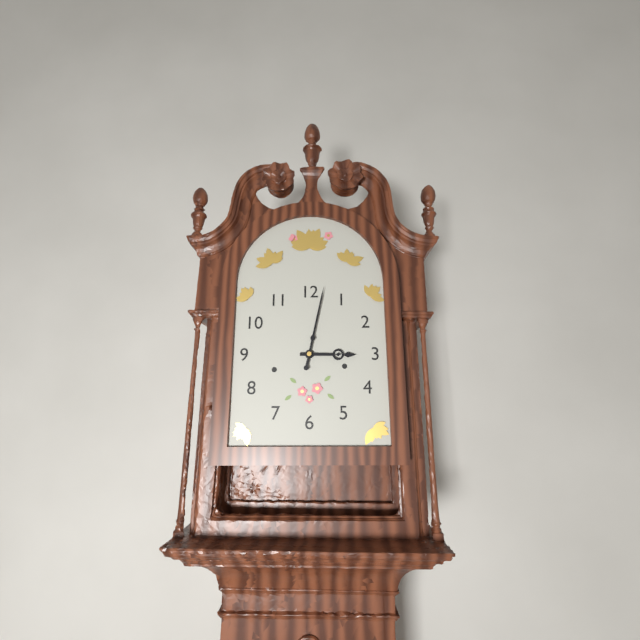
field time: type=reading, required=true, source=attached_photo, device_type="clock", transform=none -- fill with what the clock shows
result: 3:02
